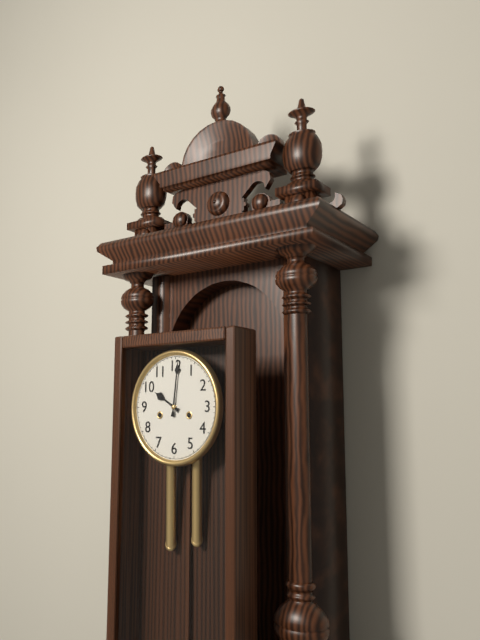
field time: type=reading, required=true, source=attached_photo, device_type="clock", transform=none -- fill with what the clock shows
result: 10:01
